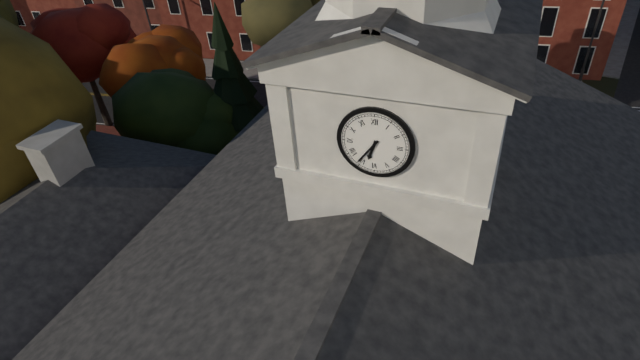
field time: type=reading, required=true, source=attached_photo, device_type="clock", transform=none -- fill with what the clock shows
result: 6:36
